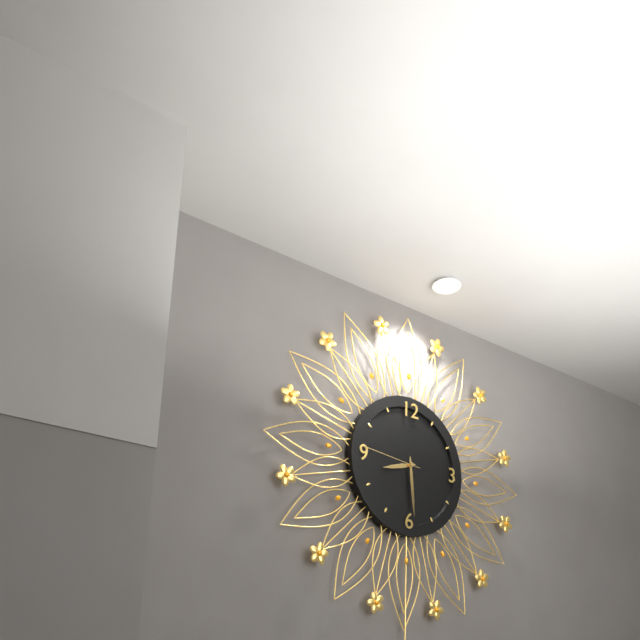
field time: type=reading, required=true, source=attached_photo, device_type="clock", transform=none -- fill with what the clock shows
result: 8:29:46
